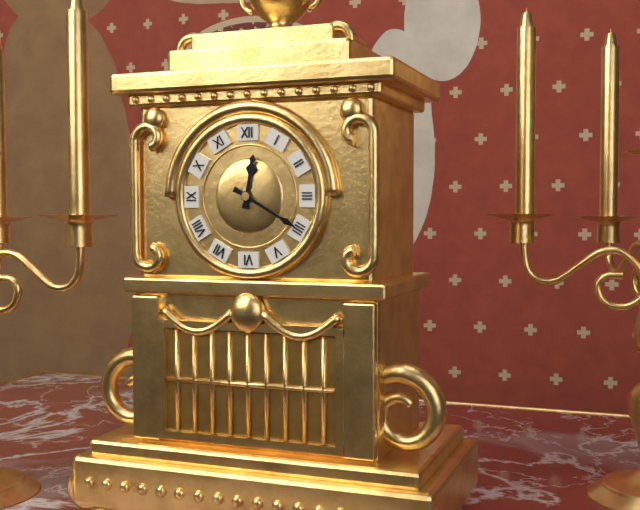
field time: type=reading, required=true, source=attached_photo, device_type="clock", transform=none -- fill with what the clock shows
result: 12:20
